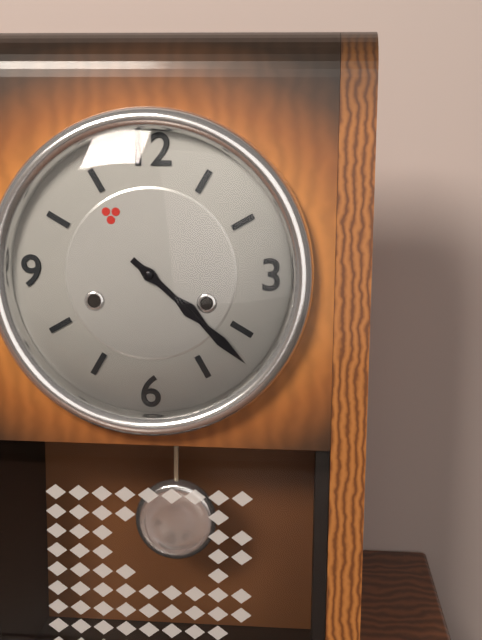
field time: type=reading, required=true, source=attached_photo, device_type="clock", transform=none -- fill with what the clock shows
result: 4:22
